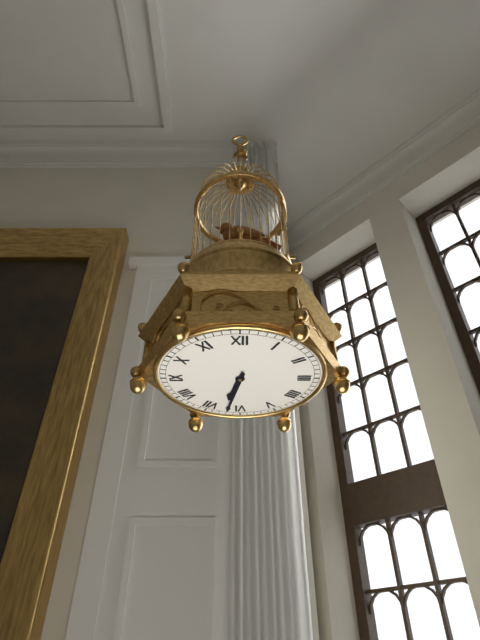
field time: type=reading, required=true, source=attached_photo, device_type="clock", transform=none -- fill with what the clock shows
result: 6:32
